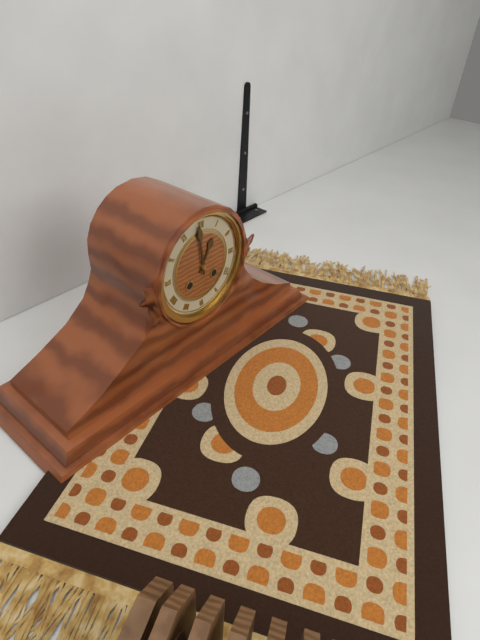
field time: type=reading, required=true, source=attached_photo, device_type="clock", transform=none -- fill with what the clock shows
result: 12:59
